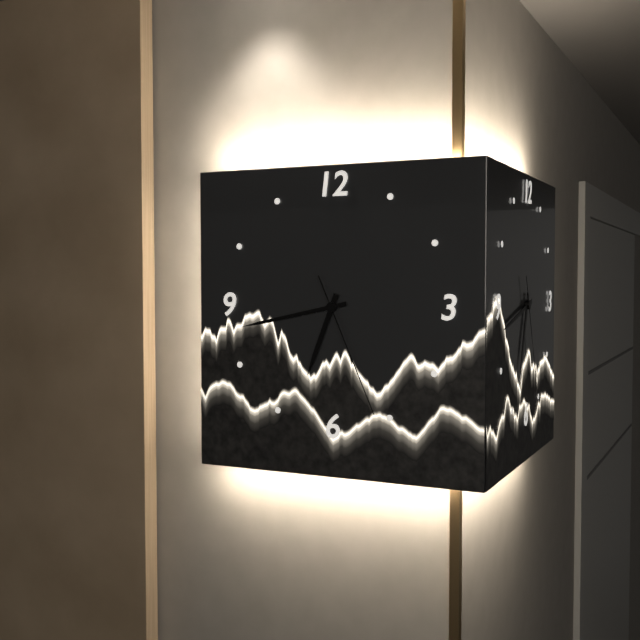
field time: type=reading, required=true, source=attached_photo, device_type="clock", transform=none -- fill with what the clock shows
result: 6:43:26
